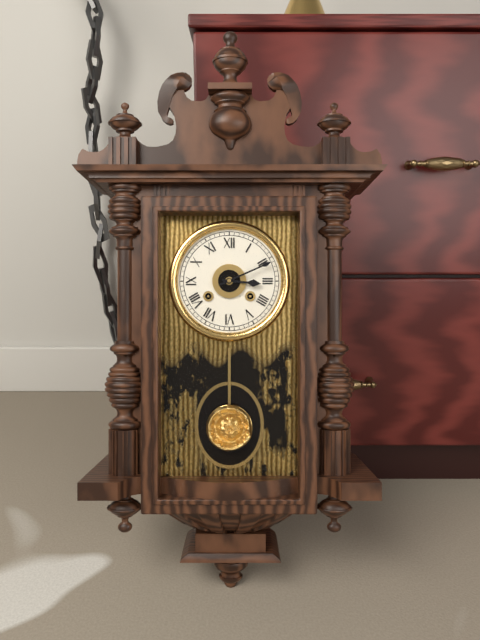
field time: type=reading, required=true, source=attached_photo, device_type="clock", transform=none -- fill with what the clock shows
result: 3:11
